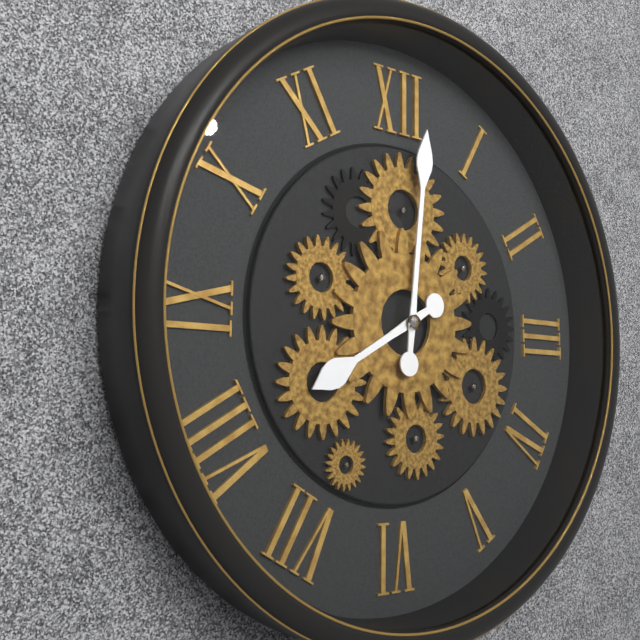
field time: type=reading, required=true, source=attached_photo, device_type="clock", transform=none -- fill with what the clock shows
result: 8:01
